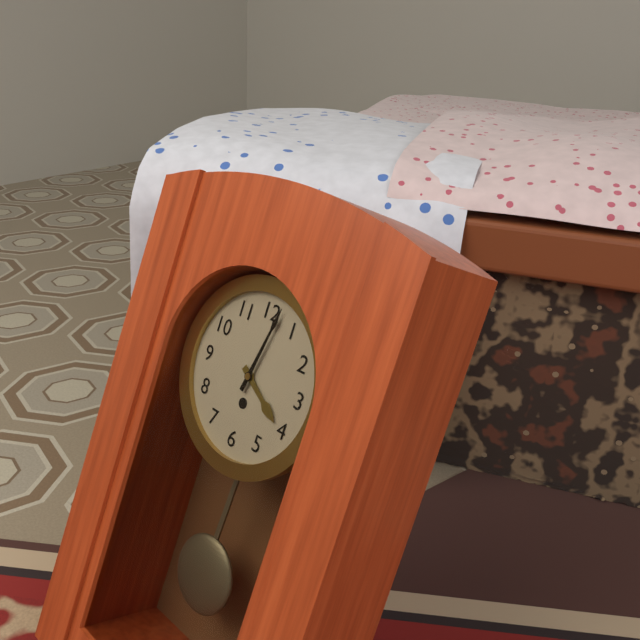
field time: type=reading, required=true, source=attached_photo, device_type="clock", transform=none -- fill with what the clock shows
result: 4:02
